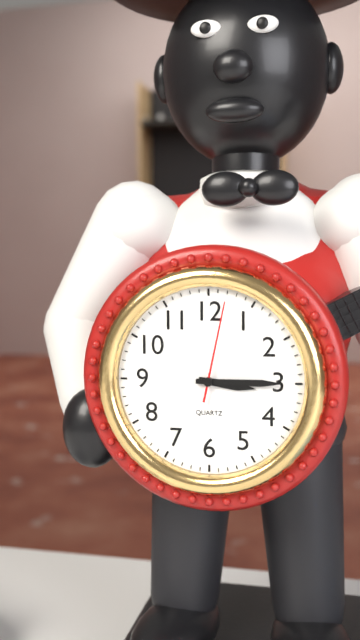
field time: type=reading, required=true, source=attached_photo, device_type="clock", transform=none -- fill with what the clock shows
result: 3:15:02
